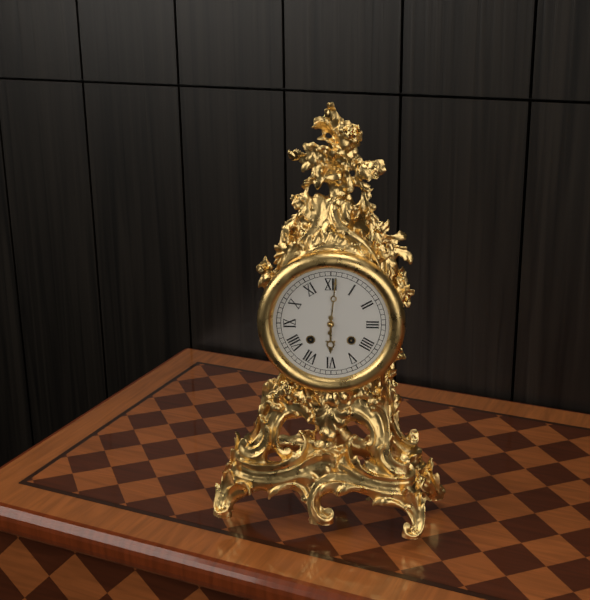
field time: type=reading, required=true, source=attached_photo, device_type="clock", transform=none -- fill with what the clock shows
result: 6:01
